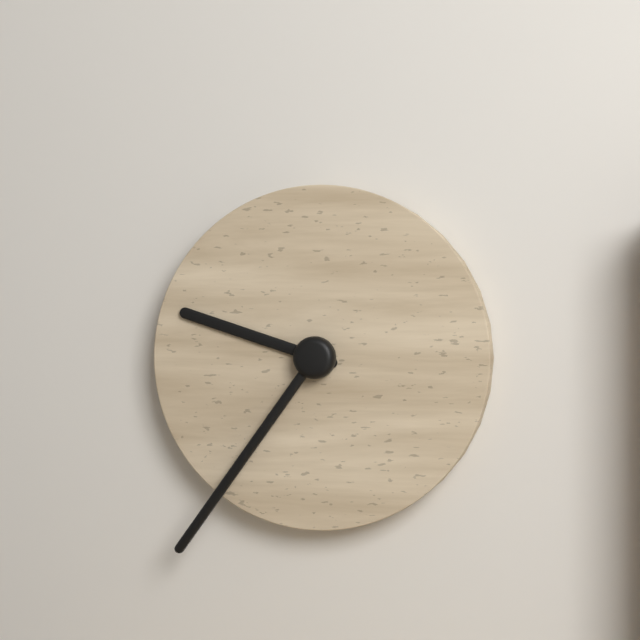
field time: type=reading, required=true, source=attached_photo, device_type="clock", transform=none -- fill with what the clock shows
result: 9:36
